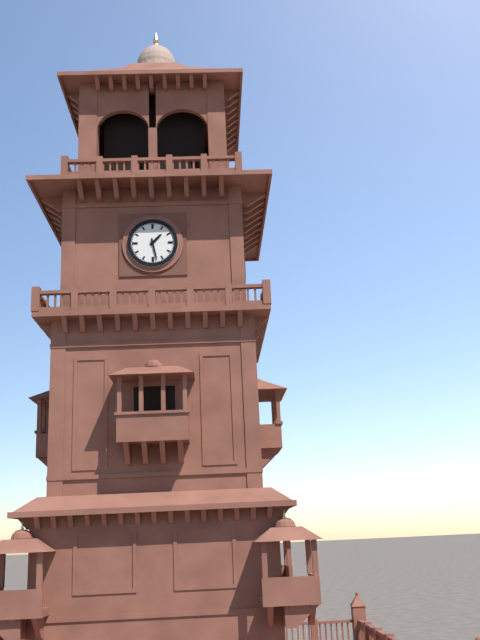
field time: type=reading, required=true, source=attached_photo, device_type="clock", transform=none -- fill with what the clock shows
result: 1:28
